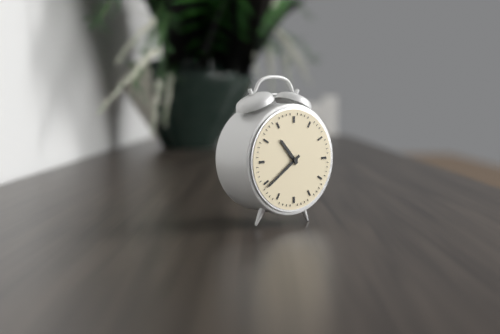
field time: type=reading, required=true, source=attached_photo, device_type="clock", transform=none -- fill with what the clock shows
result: 10:39
